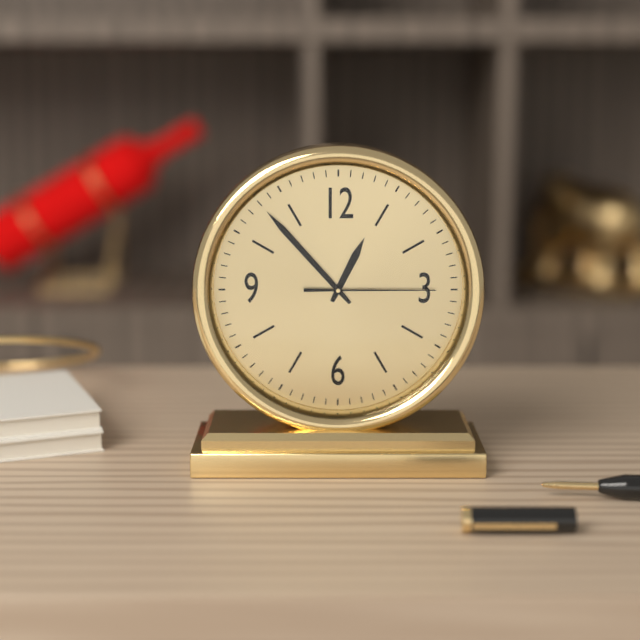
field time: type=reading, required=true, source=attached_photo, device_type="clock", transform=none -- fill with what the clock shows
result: 12:53:15
